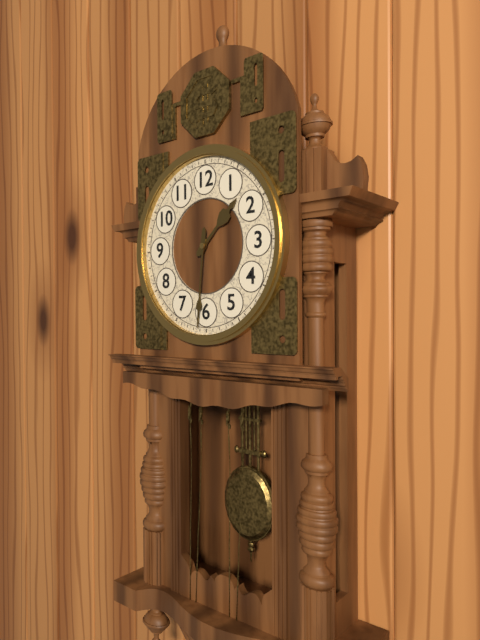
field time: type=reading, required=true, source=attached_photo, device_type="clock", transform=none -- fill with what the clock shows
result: 1:31
